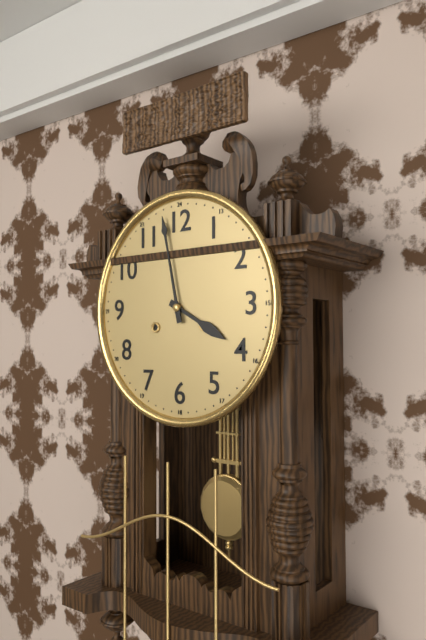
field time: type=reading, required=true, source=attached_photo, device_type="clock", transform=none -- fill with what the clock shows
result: 3:58
